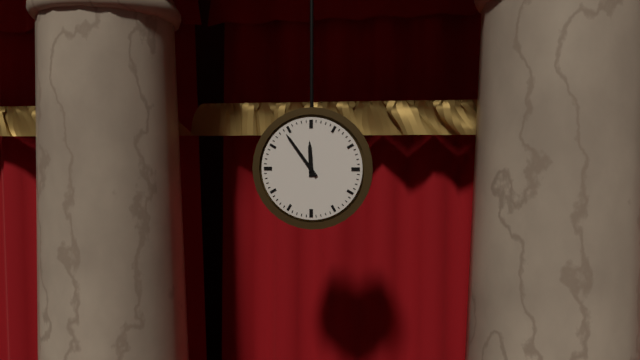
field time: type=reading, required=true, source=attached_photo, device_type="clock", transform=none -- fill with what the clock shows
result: 11:54
